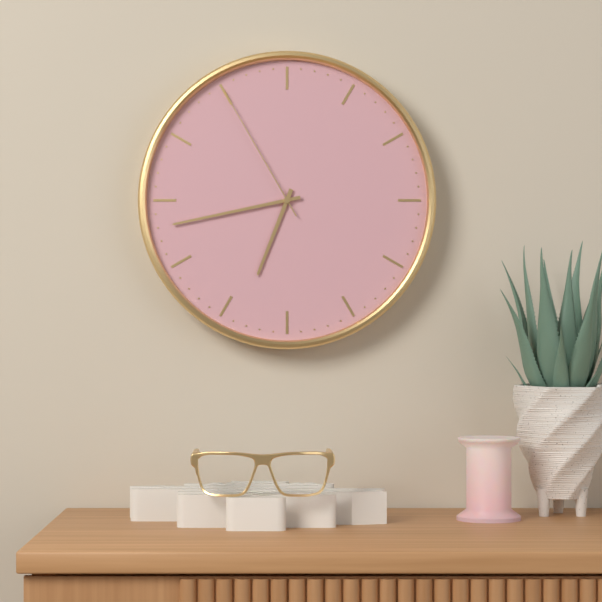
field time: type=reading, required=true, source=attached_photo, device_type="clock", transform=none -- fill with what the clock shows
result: 6:43:55
